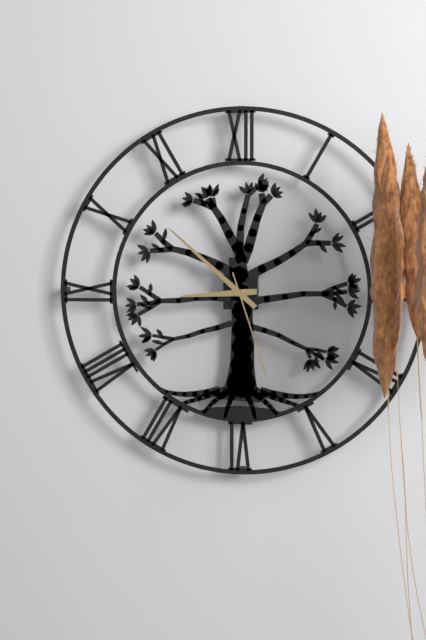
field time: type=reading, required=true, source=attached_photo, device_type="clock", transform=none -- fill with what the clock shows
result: 8:52:27
